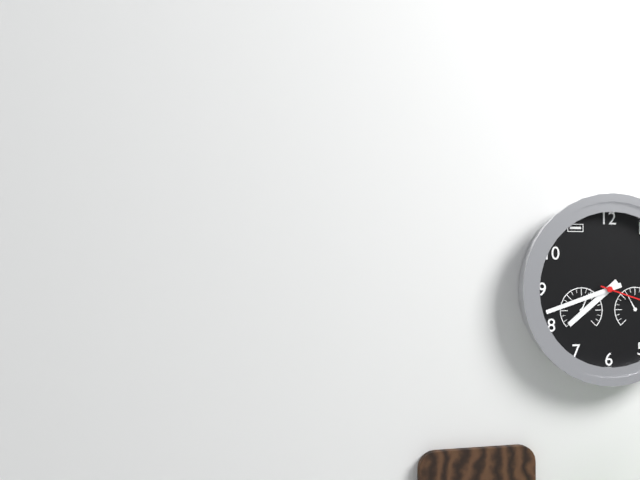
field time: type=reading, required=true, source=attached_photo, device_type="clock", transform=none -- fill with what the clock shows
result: 7:42
